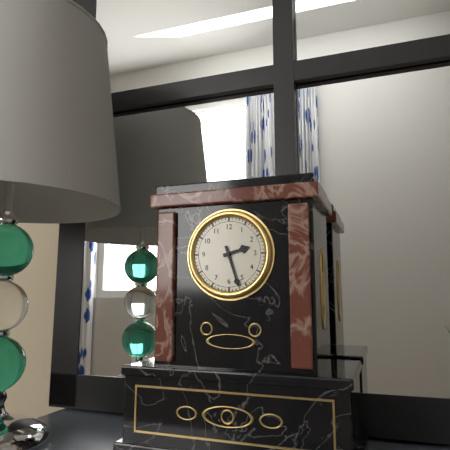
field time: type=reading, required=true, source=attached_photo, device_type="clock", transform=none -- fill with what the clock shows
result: 2:27
